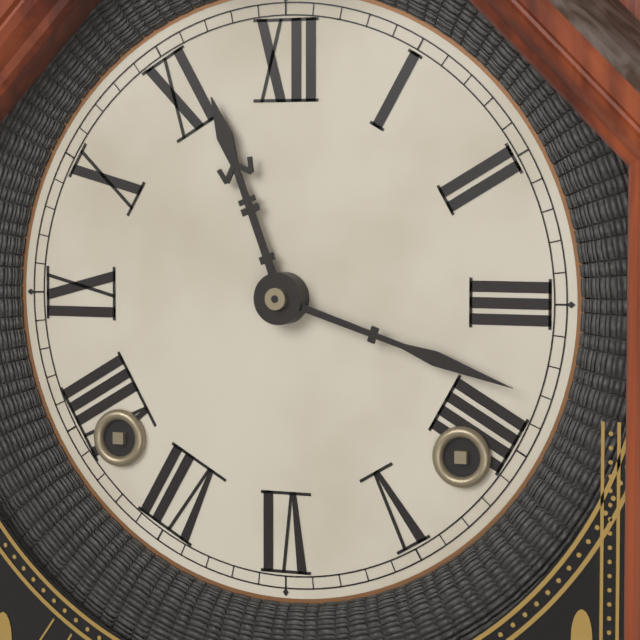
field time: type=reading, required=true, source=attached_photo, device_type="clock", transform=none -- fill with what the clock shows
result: 11:18
